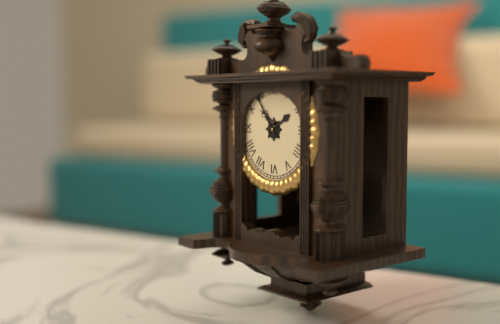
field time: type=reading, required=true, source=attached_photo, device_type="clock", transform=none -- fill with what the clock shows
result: 1:54
